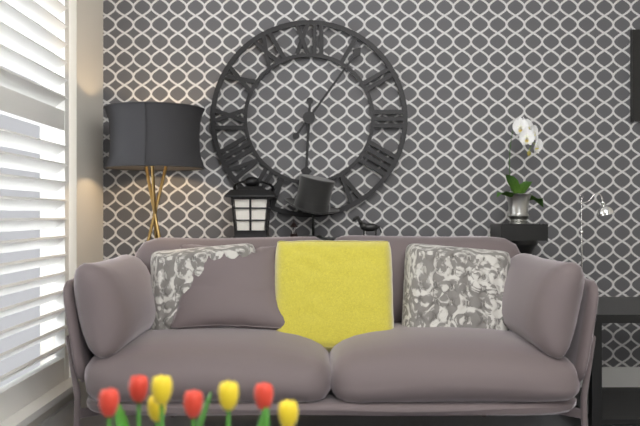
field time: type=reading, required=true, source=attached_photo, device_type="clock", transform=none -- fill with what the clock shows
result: 6:06
